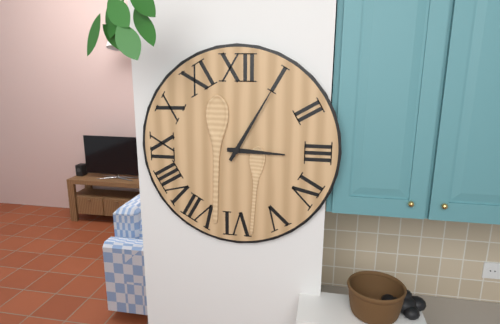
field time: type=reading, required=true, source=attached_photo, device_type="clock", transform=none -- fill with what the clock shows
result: 3:05
